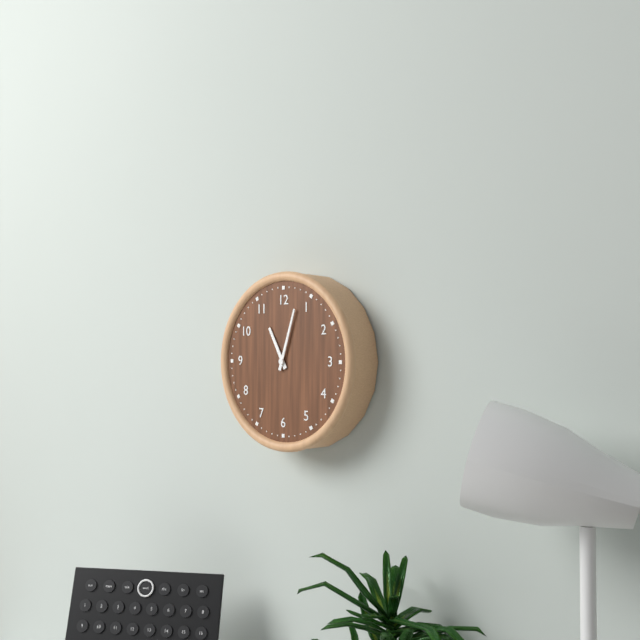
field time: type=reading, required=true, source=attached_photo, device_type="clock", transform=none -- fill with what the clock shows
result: 11:03
